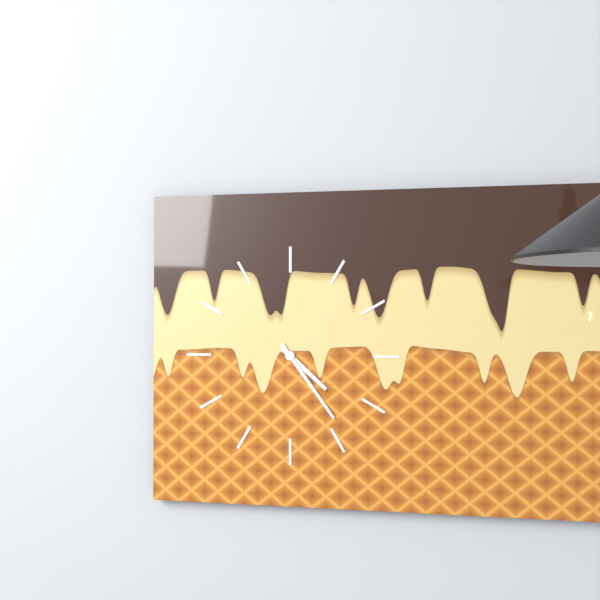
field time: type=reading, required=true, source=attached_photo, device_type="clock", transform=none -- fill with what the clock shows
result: 4:24
